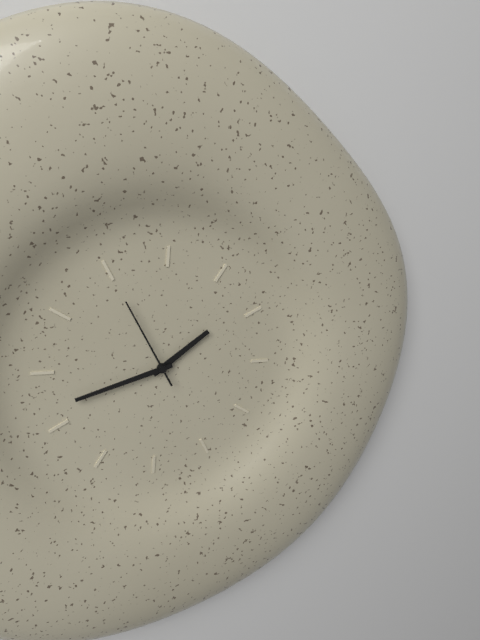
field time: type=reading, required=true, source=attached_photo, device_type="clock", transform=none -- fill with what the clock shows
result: 1:42:55
